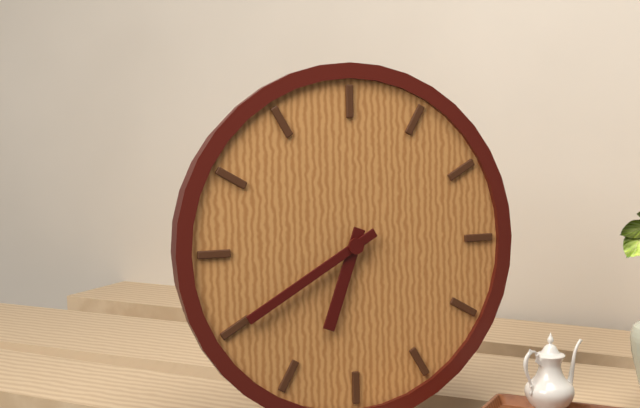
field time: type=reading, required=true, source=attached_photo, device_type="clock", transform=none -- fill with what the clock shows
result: 6:40
